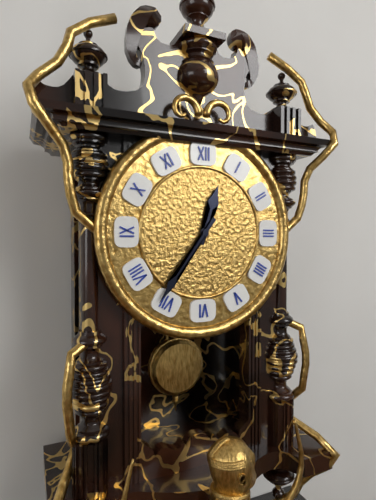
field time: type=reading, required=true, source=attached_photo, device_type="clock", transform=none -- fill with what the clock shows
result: 12:36
